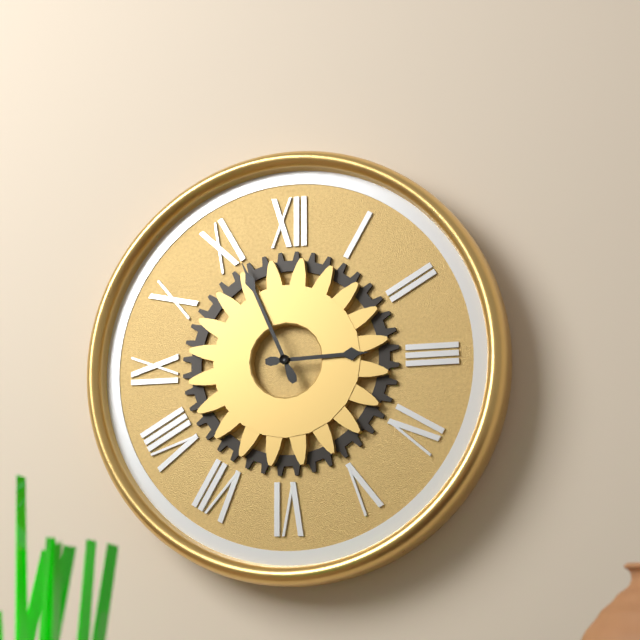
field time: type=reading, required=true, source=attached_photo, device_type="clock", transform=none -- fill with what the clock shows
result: 2:56
